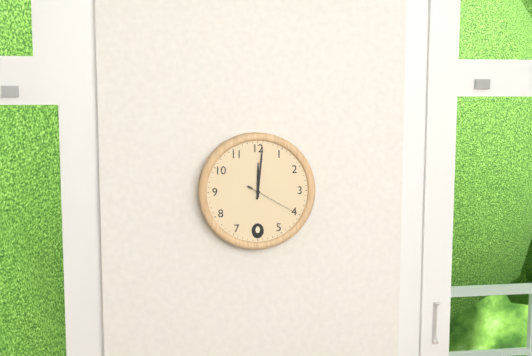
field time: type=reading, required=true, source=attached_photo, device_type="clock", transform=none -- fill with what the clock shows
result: 12:01:20
